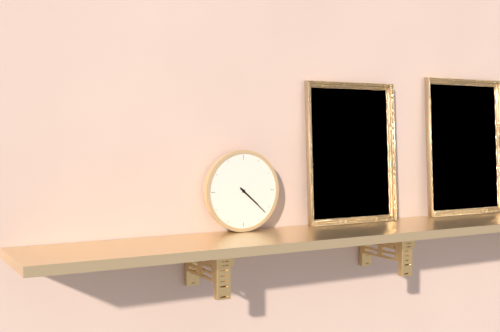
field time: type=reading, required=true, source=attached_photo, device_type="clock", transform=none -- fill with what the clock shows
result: 4:22
